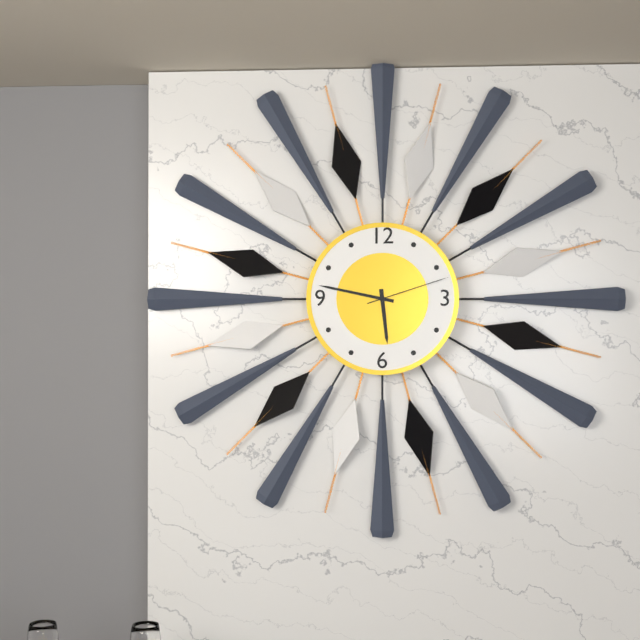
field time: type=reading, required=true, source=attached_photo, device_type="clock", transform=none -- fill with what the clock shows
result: 5:47:12
